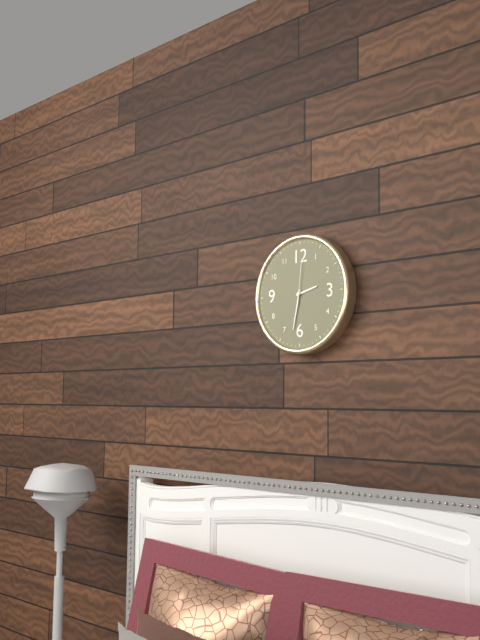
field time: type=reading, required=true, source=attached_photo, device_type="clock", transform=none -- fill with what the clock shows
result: 2:32
